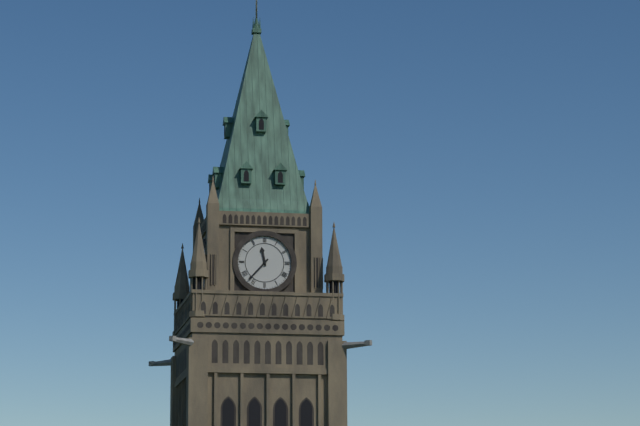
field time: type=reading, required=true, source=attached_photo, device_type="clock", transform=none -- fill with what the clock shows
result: 11:37
